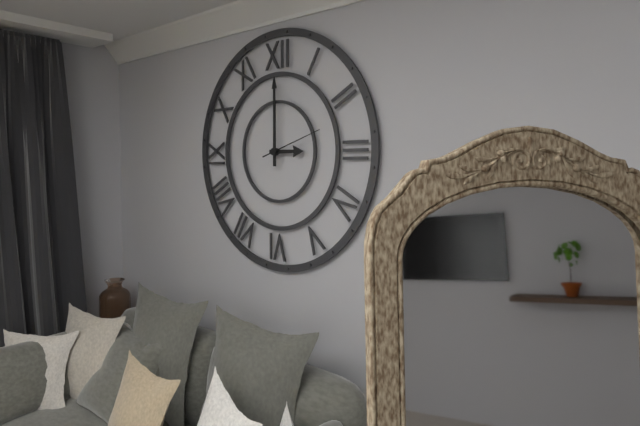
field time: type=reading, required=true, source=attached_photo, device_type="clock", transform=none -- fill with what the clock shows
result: 3:00:12
